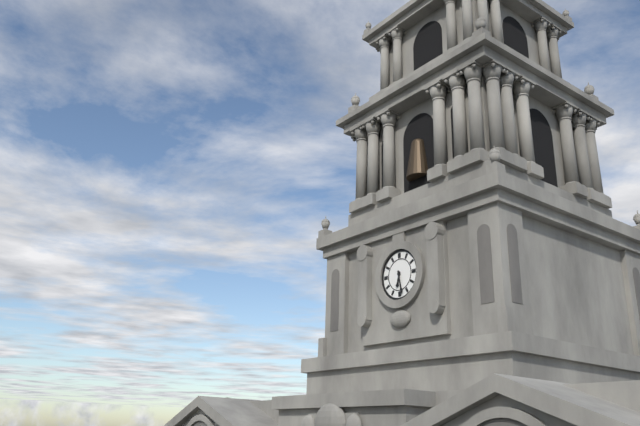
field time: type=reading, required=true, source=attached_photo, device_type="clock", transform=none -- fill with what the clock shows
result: 6:28
